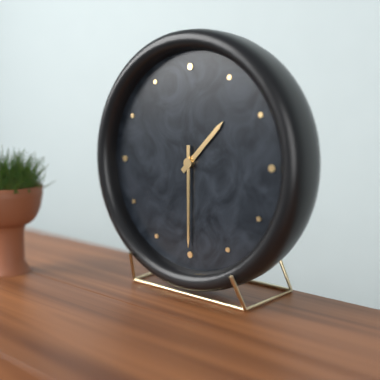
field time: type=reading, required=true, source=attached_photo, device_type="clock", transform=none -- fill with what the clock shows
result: 1:30
